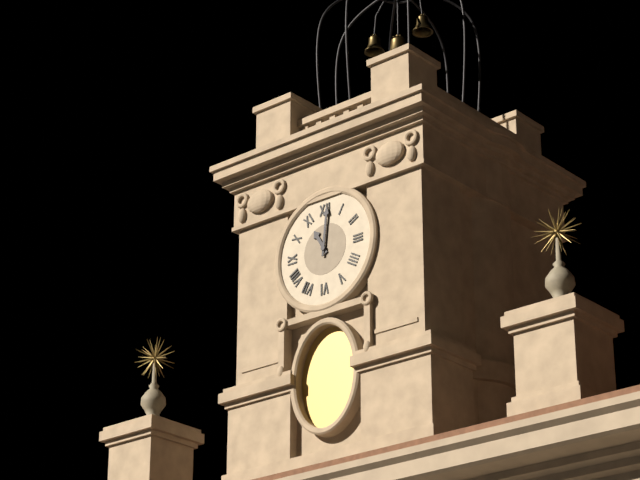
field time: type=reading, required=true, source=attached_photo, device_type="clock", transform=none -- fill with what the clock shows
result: 11:01
